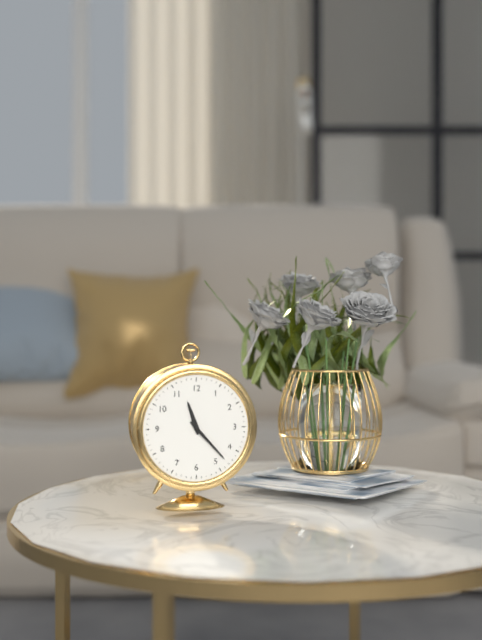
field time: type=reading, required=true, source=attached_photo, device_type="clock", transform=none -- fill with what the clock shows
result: 11:23
